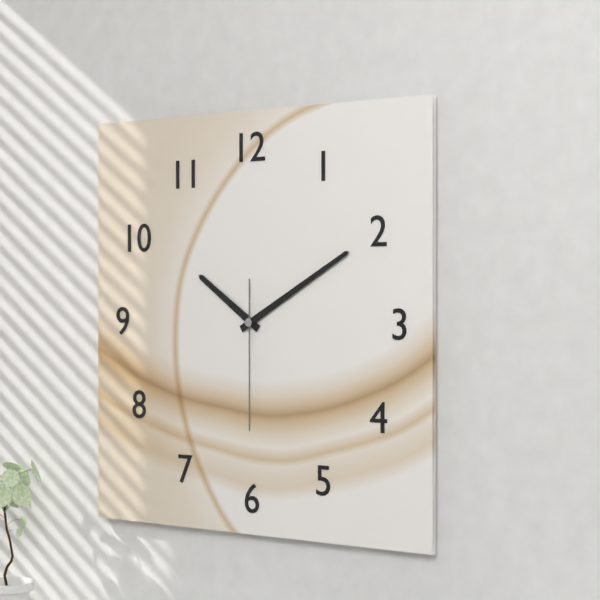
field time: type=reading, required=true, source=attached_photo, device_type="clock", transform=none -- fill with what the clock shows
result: 10:10:30
